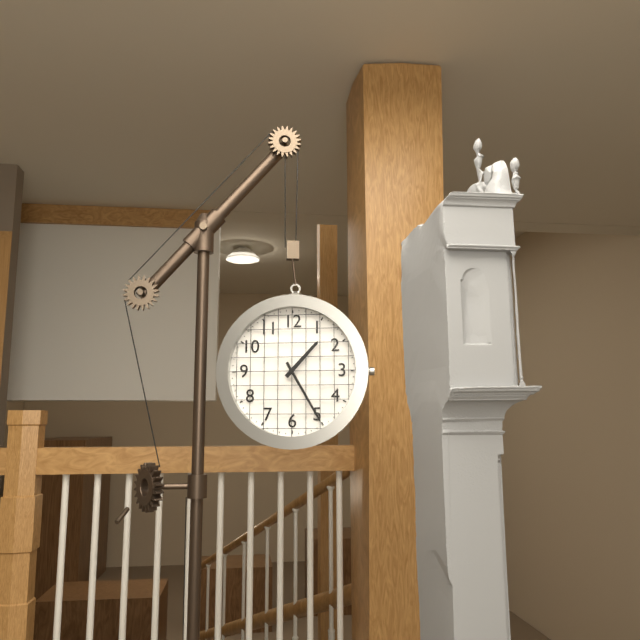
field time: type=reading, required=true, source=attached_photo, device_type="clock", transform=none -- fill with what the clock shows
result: 1:25
